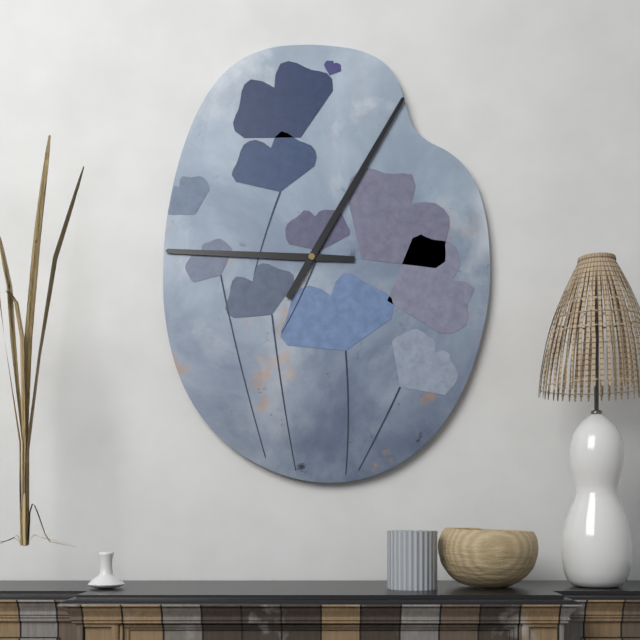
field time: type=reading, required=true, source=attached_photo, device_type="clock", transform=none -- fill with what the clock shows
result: 9:05
